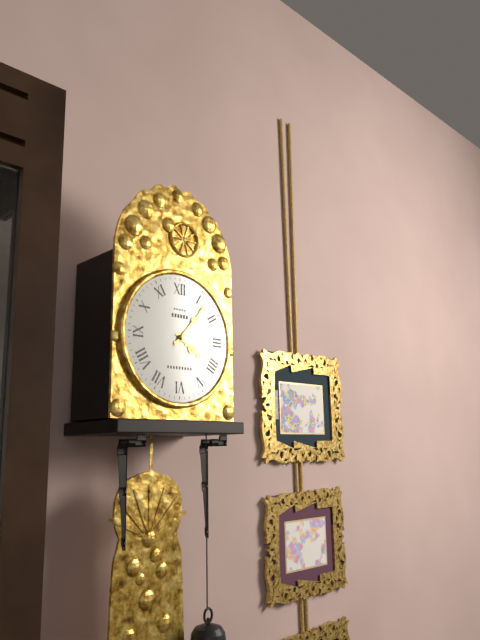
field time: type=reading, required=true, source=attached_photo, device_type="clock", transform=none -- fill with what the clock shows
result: 4:07
